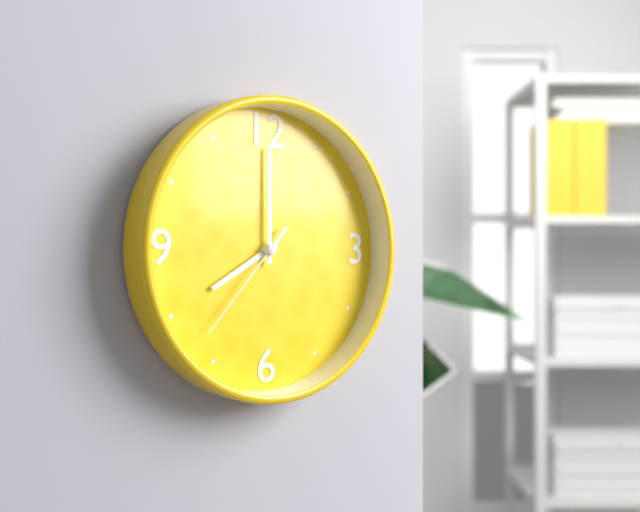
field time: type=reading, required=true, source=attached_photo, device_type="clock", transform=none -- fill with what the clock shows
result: 8:00:37
